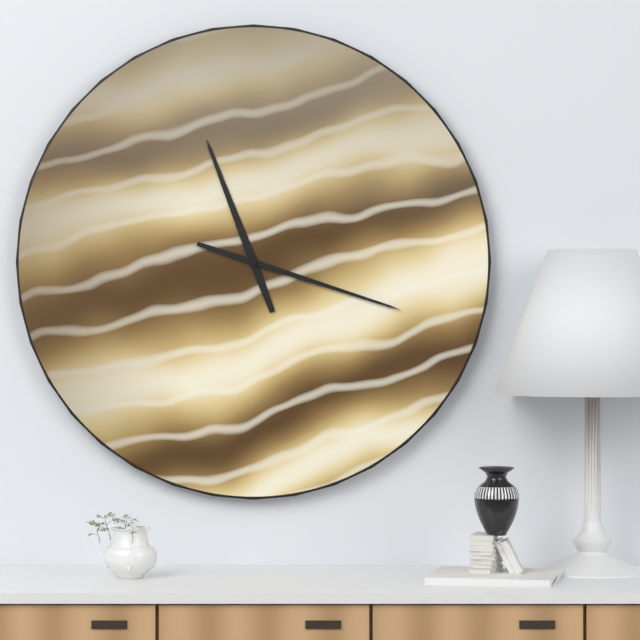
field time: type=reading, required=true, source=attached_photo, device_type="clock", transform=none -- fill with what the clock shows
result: 11:18
